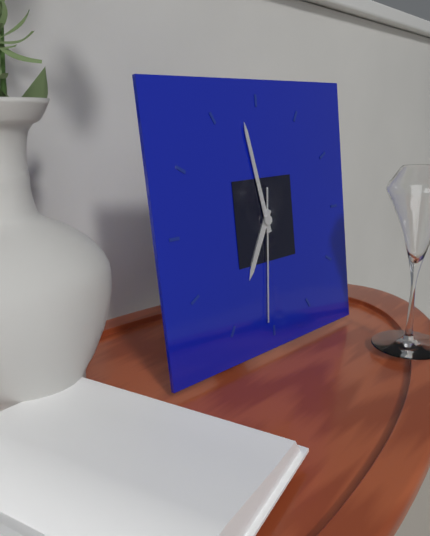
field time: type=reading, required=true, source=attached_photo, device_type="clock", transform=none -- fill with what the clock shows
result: 6:58:31
